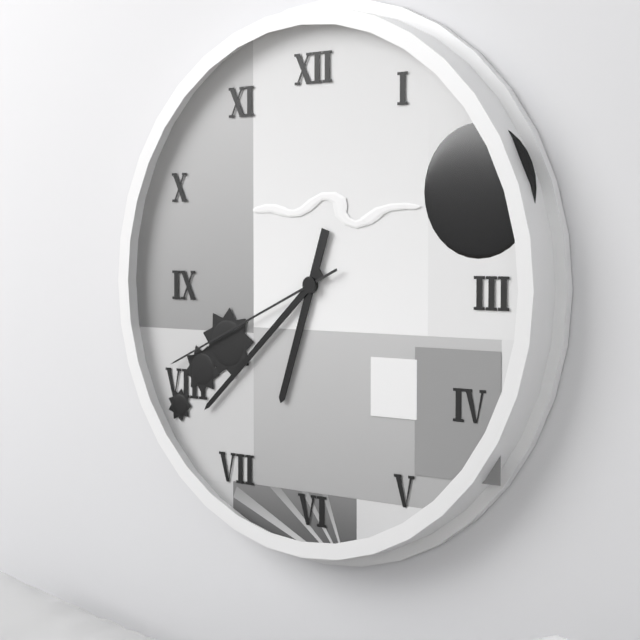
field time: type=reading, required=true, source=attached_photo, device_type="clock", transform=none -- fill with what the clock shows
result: 6:38:41
